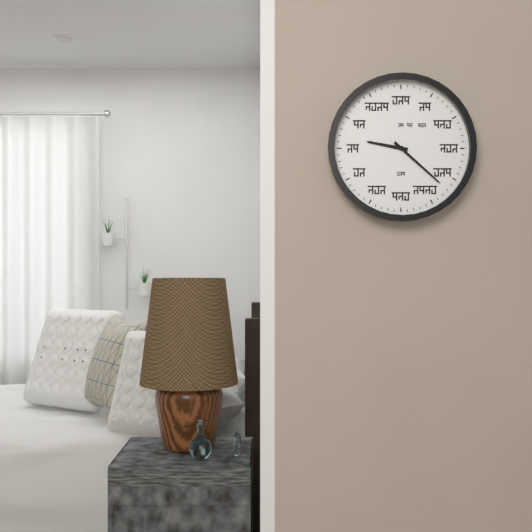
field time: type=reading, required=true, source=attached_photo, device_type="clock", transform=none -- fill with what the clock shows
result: 9:22
